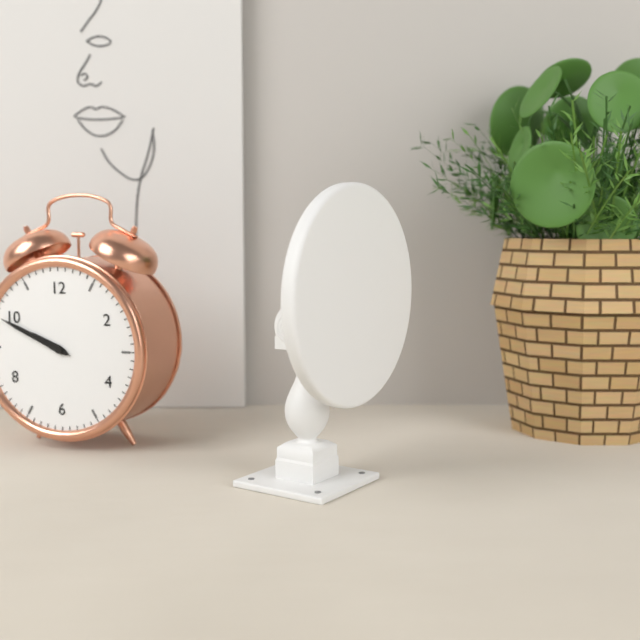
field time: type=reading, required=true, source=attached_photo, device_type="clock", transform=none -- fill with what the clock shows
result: 9:49
